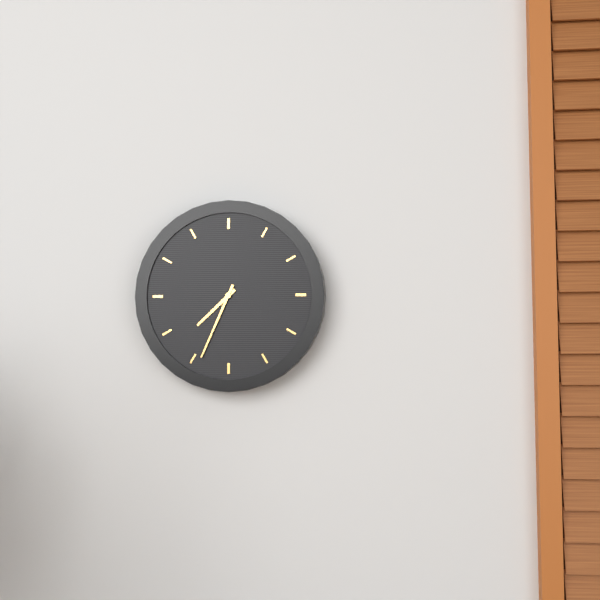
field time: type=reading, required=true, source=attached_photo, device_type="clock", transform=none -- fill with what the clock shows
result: 7:34
